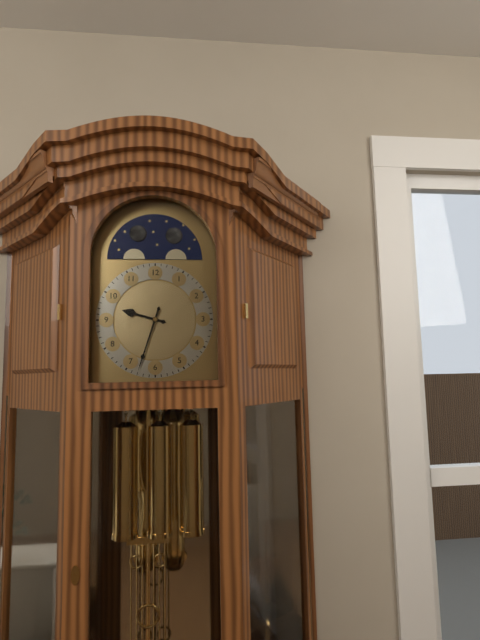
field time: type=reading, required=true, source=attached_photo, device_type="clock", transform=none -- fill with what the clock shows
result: 9:33
